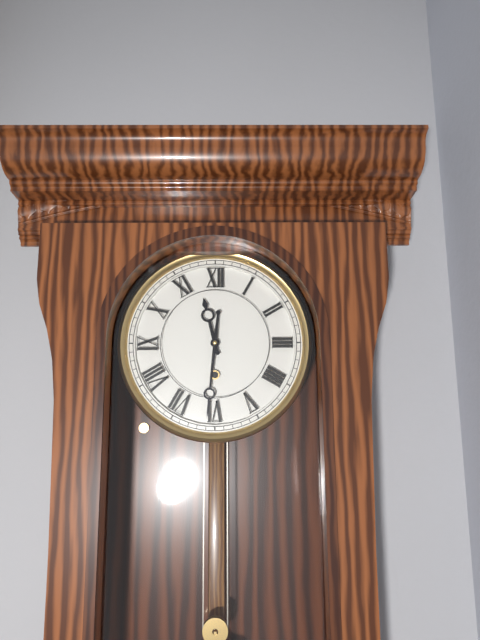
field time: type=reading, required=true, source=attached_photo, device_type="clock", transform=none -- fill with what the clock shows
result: 11:31
